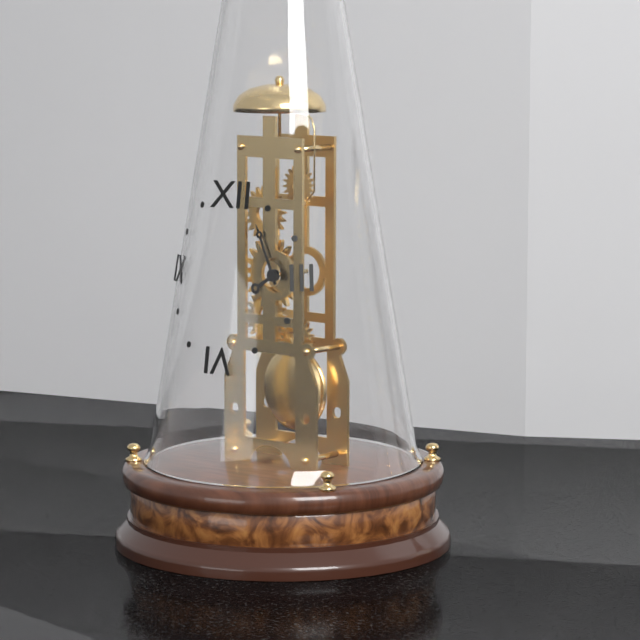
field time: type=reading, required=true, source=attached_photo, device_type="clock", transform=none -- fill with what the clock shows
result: 7:56
